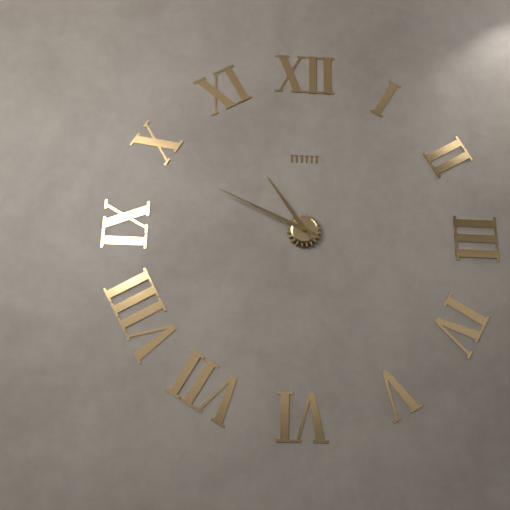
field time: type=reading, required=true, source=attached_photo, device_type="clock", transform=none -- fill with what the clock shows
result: 10:49
